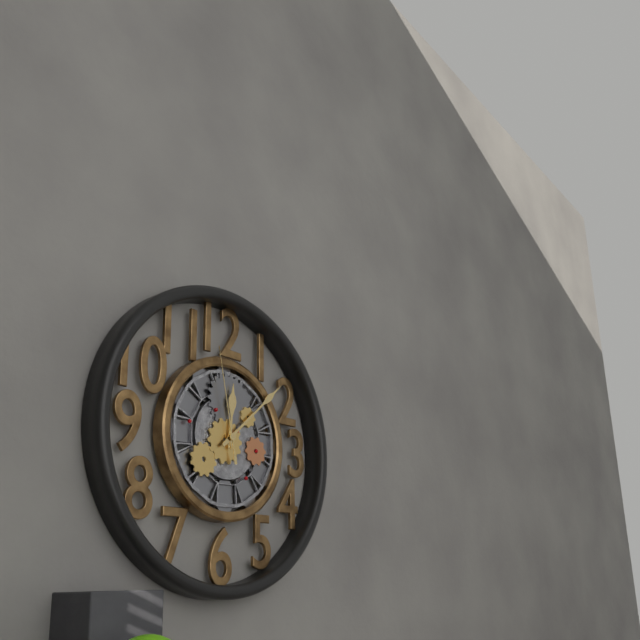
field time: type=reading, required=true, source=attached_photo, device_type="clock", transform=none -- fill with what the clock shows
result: 12:08:58
